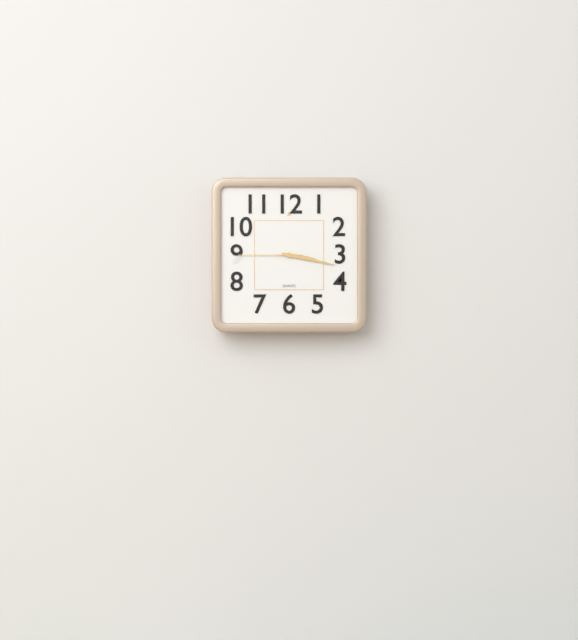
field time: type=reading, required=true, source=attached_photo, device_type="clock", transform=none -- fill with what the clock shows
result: 3:17:45
